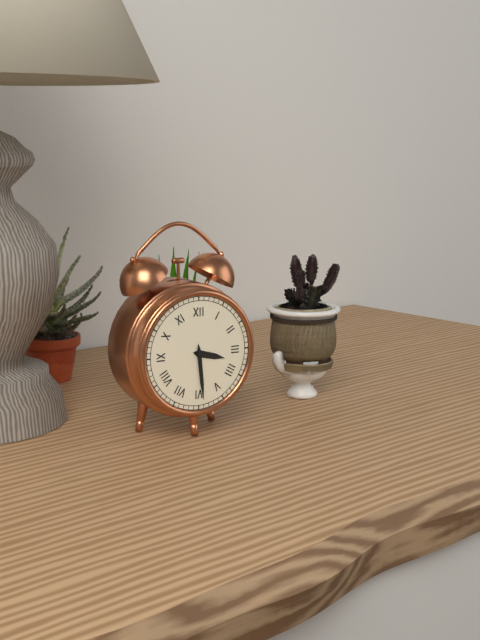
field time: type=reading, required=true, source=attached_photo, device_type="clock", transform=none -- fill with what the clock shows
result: 3:29
